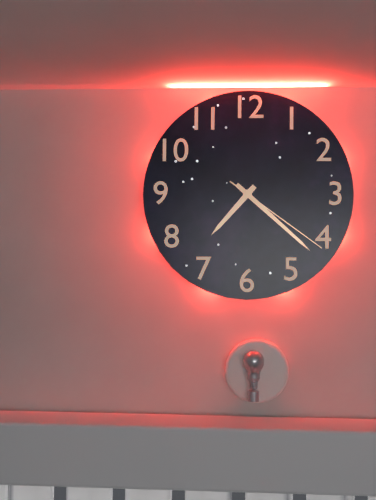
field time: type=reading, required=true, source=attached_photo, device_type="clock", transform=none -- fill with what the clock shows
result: 7:22:21
